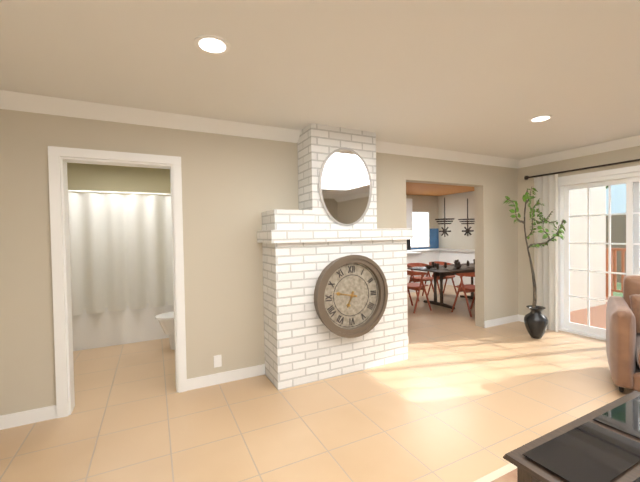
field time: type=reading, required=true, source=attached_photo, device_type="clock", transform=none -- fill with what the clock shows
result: 6:47
